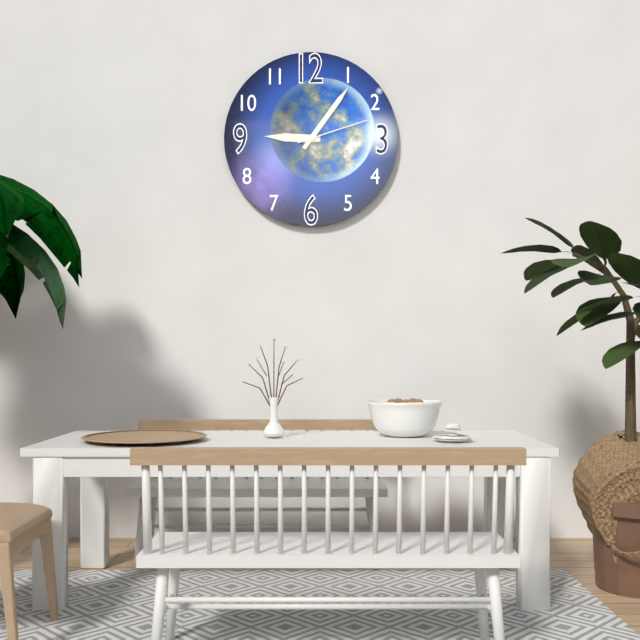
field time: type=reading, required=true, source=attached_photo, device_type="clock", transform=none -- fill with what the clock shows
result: 9:06:12
